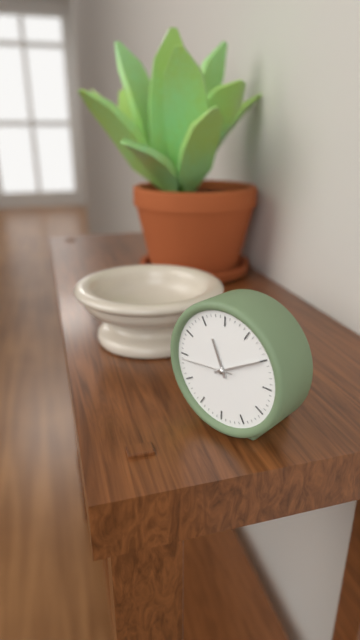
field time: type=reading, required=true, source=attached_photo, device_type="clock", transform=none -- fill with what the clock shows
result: 11:10:44
